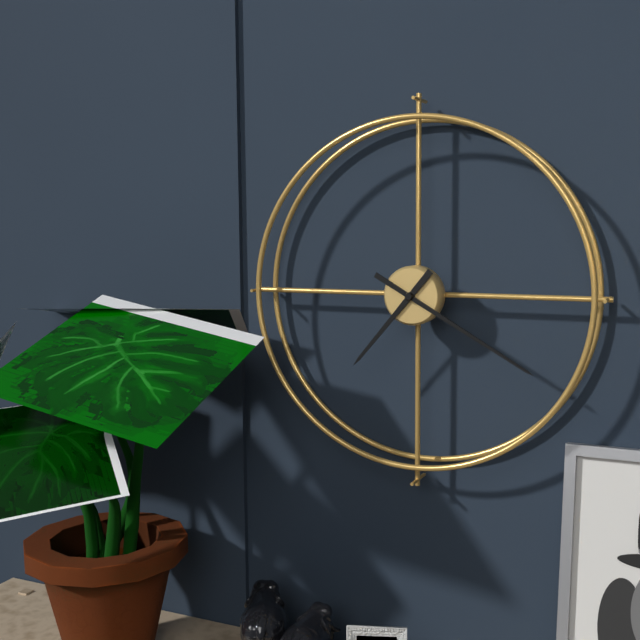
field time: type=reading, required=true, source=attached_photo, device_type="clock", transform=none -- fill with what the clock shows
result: 7:20
